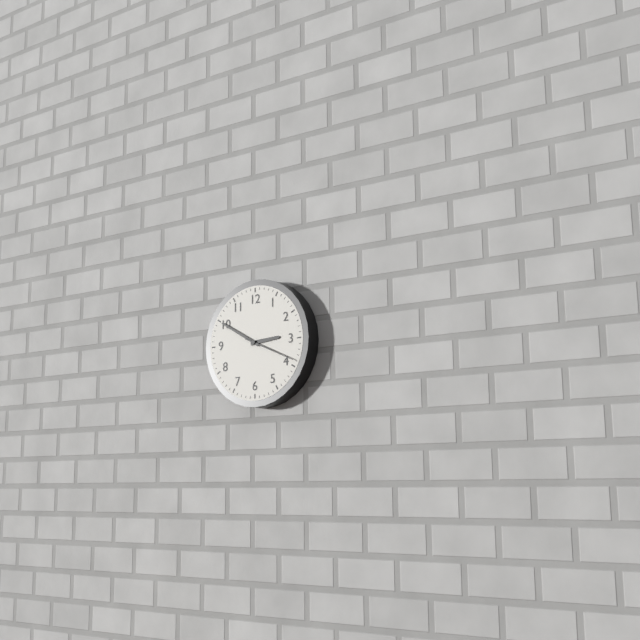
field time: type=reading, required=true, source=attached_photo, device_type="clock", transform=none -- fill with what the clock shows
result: 2:50:19
